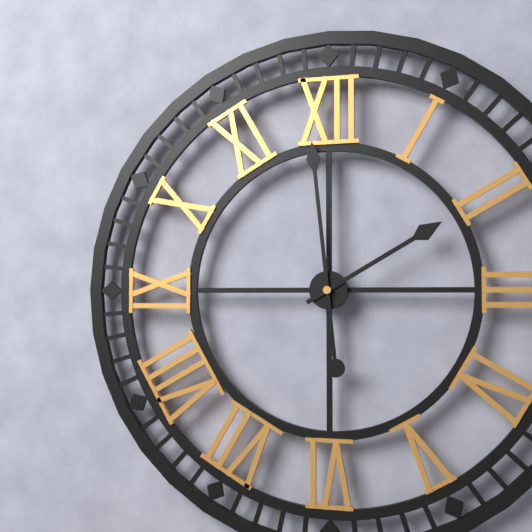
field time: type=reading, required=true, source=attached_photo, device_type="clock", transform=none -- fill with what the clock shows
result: 1:59
